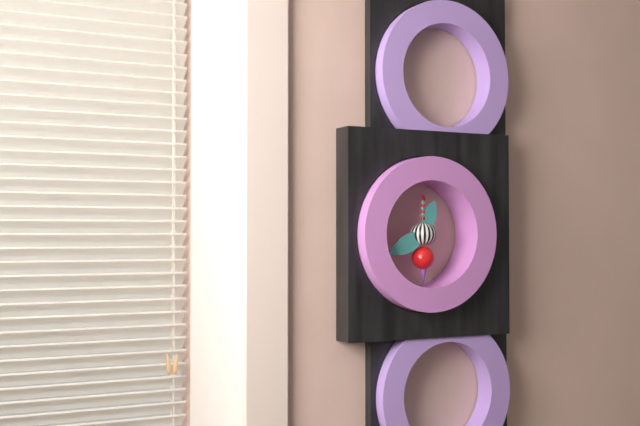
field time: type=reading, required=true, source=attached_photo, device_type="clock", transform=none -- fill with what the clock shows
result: 12:41
